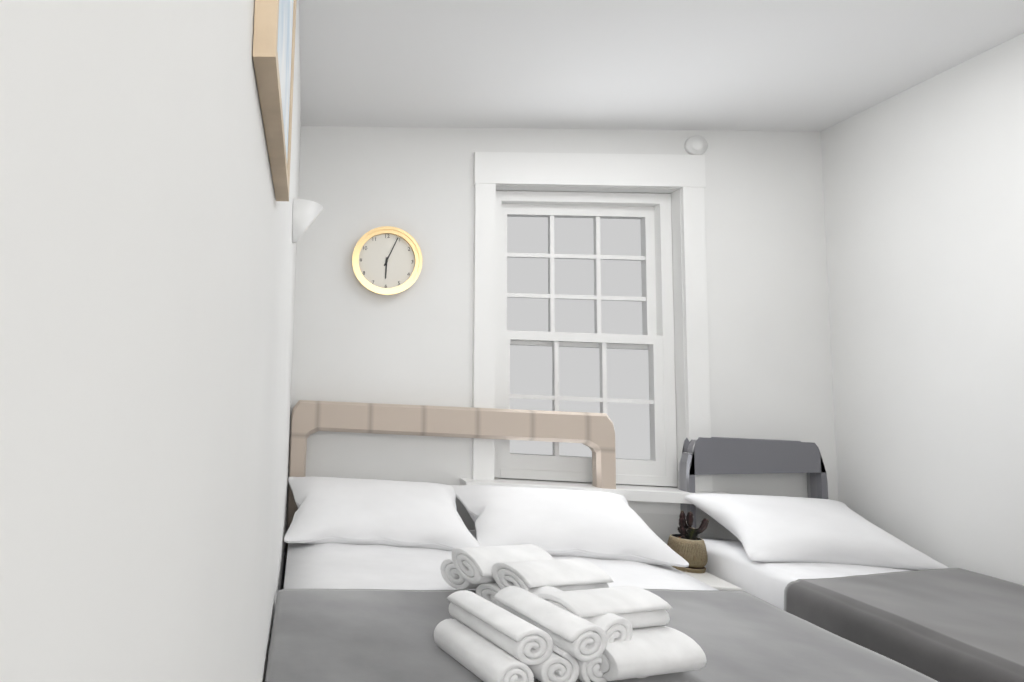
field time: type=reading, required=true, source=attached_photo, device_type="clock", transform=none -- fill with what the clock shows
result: 6:04
